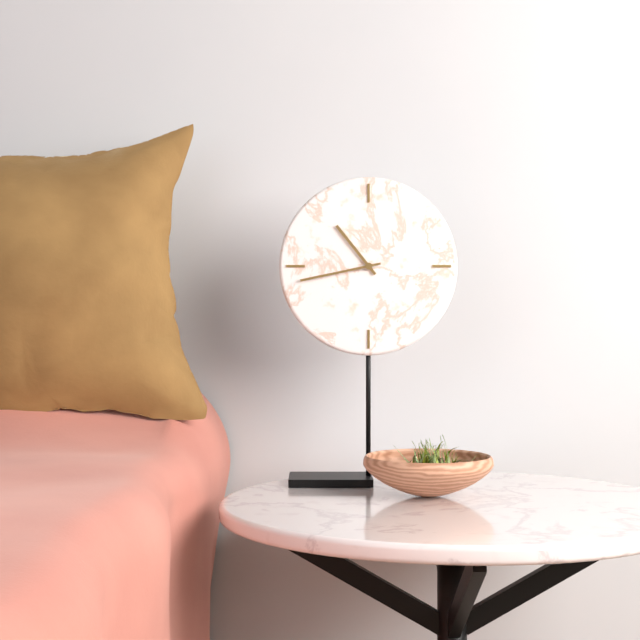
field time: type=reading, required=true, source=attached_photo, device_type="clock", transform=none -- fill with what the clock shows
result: 10:43
